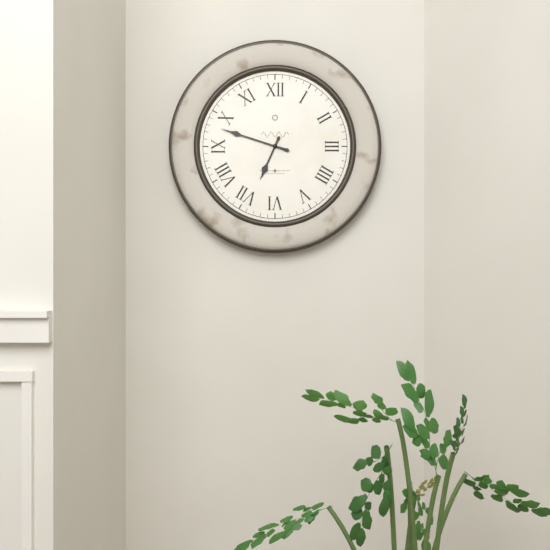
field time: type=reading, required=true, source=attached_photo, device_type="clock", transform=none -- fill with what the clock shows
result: 6:48
